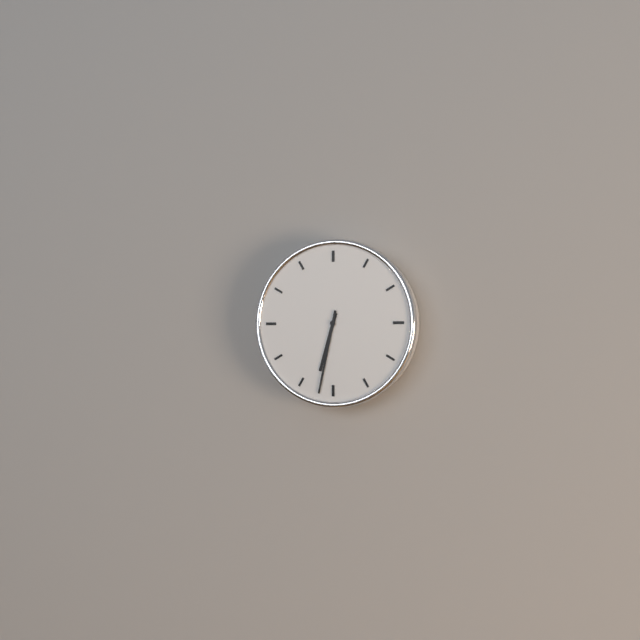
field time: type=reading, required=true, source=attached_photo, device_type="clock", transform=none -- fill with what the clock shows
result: 6:32
